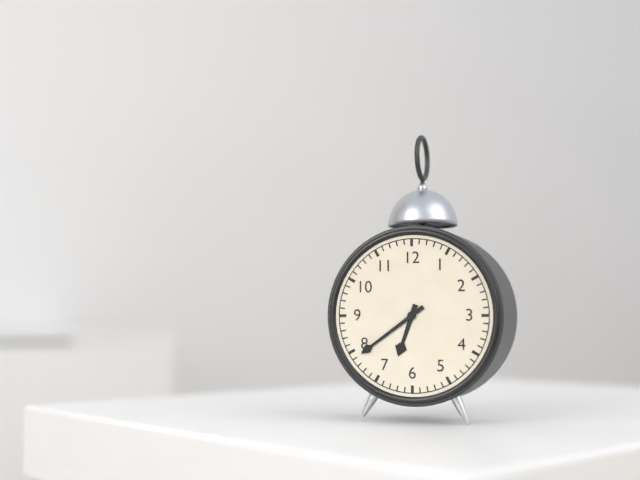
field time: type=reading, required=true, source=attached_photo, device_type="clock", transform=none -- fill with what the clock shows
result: 6:39
